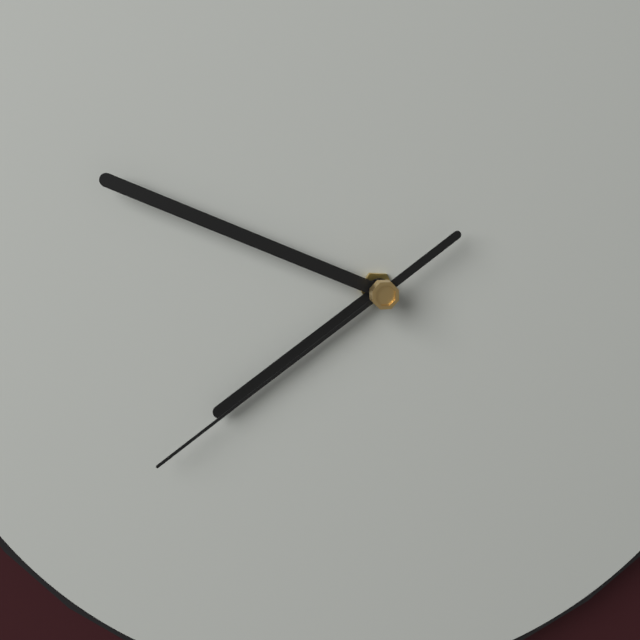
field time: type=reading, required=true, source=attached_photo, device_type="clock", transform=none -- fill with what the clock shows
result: 7:49:39
